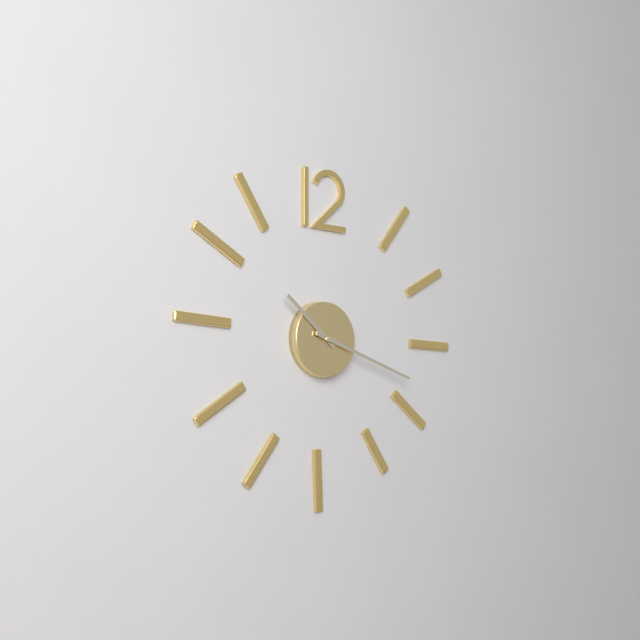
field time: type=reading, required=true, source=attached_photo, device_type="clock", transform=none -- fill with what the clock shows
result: 10:18
